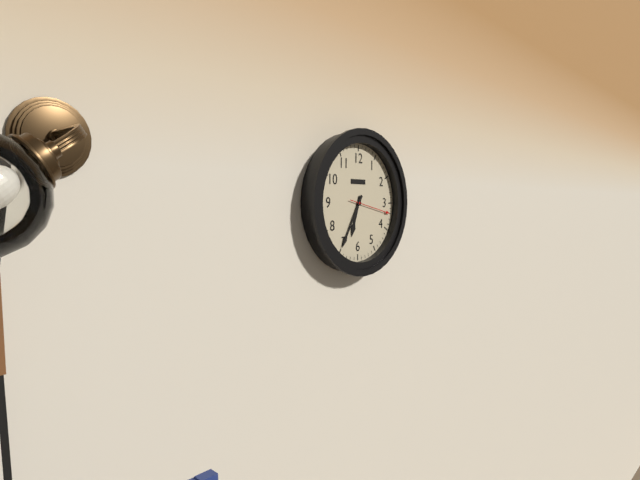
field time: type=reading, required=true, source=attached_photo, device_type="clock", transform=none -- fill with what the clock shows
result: 6:35
